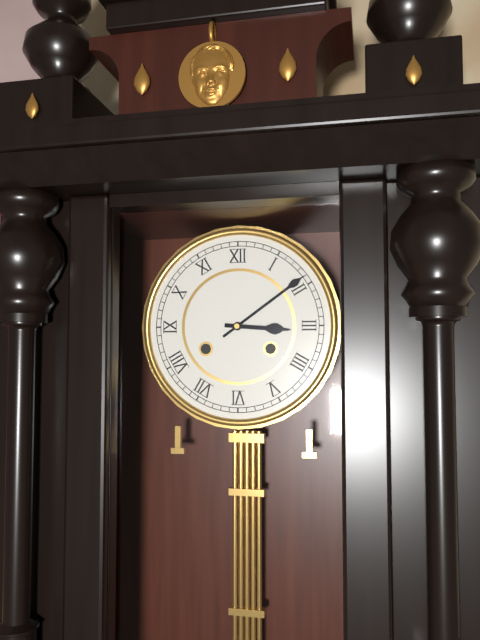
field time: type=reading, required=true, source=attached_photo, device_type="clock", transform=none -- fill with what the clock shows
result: 3:09
